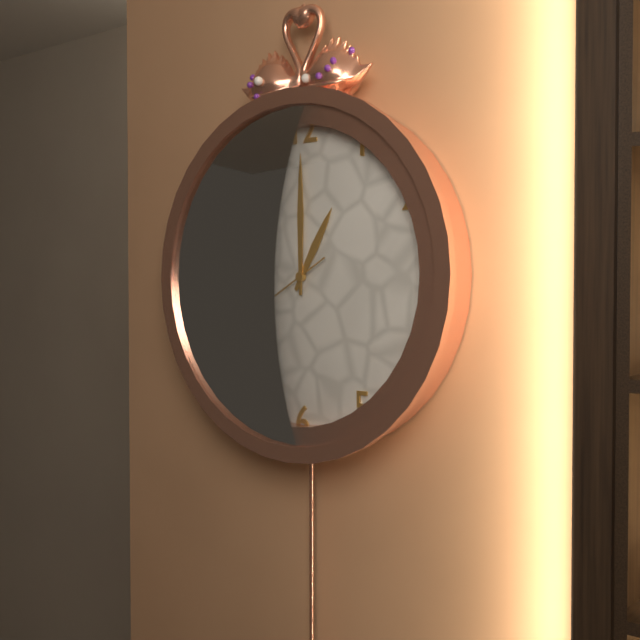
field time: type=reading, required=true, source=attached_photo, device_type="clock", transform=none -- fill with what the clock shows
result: 1:00:40
